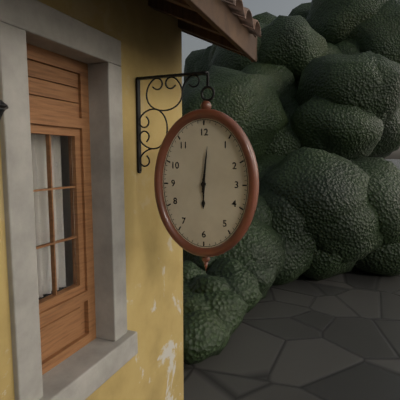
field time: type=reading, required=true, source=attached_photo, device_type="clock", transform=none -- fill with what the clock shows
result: 6:01
